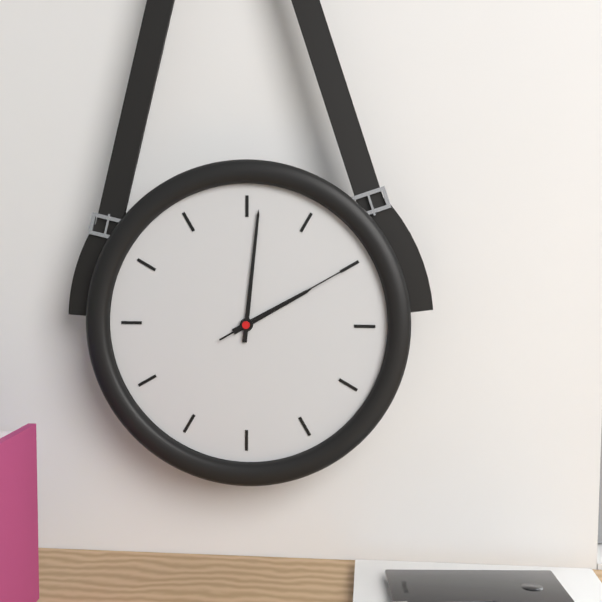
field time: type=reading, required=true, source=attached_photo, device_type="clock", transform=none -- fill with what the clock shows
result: 2:01:10
